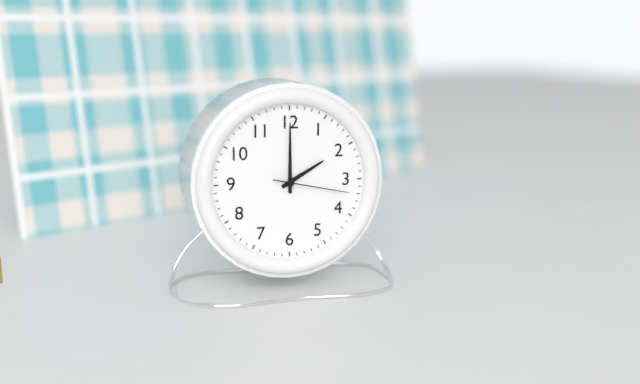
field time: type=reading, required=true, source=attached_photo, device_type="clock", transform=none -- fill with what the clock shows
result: 2:00:17
